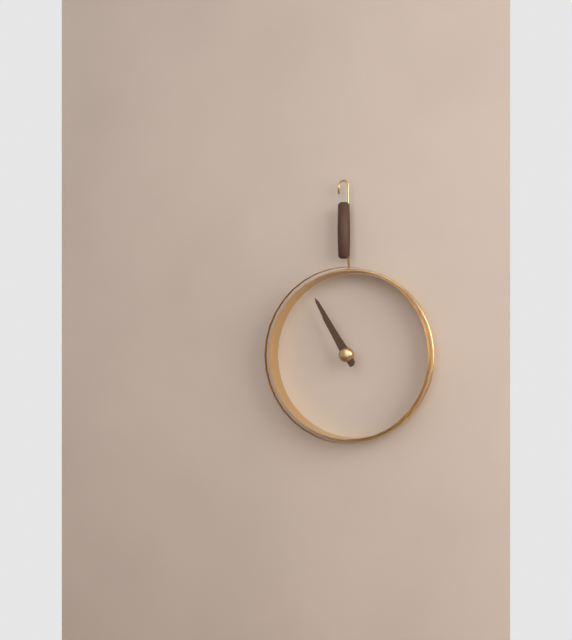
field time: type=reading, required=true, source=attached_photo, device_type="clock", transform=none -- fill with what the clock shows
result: 10:55
